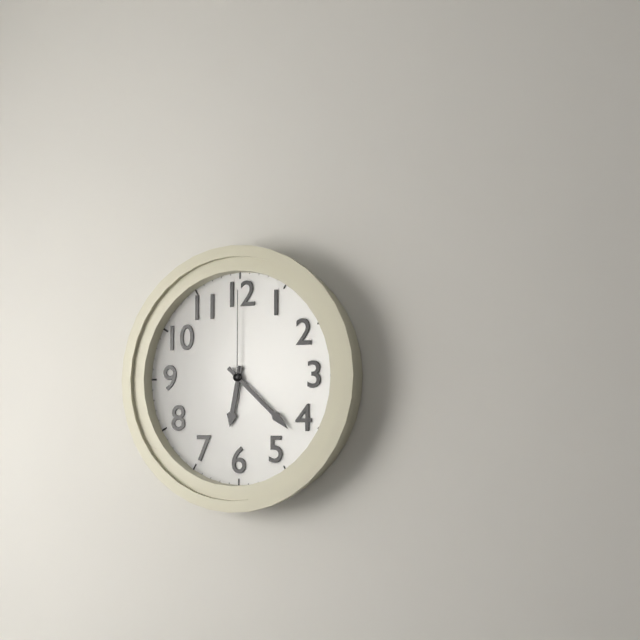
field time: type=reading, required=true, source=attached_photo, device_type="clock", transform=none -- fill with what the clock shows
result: 6:22:00
